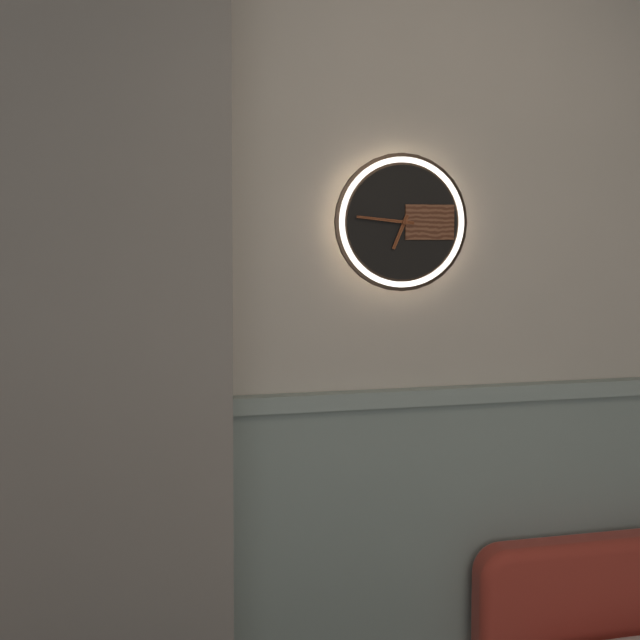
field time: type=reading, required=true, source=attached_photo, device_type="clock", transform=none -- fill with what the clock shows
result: 6:46
